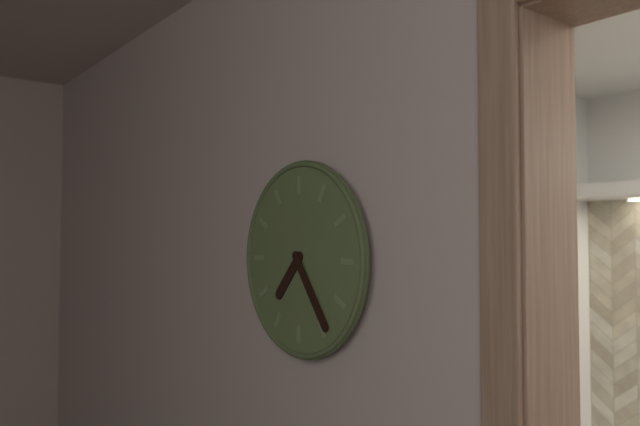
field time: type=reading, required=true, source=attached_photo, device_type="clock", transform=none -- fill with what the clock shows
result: 7:24
